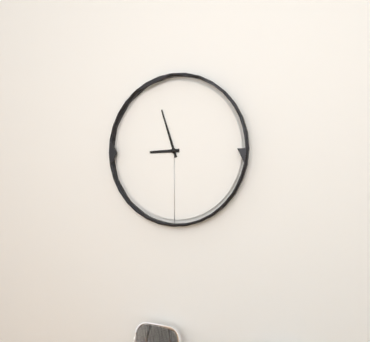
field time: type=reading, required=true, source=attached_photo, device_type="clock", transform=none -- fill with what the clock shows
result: 8:57
